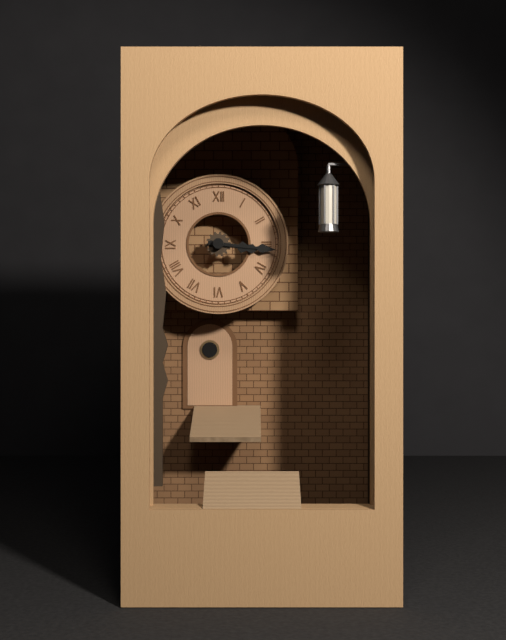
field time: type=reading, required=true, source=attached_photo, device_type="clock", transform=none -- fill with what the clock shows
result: 3:16
